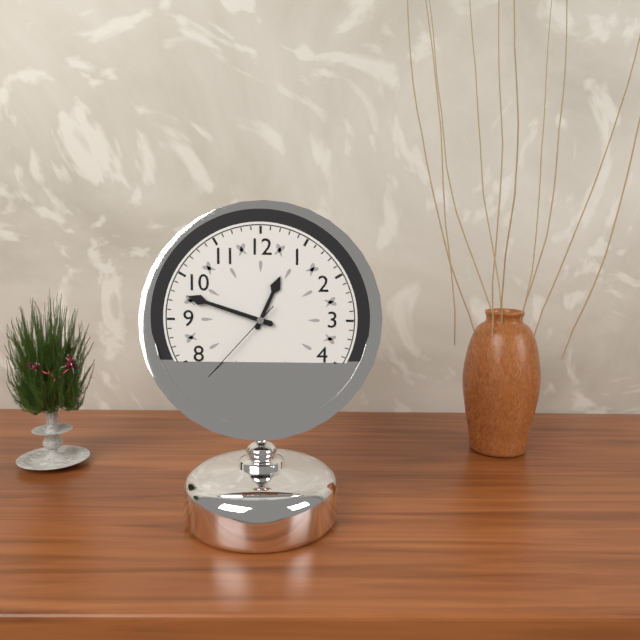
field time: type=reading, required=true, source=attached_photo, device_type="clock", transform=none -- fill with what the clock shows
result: 12:48:37
